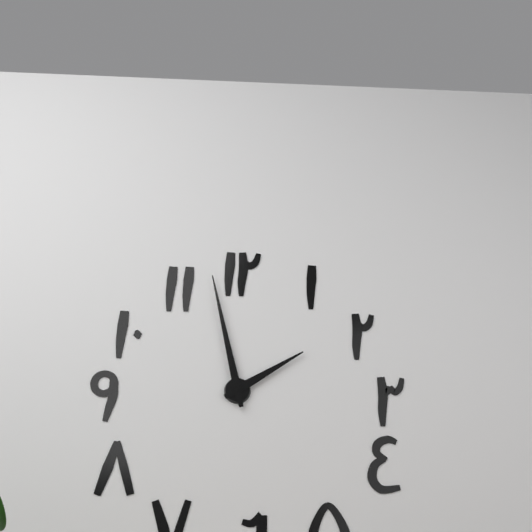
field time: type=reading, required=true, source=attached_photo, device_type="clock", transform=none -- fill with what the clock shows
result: 1:58
